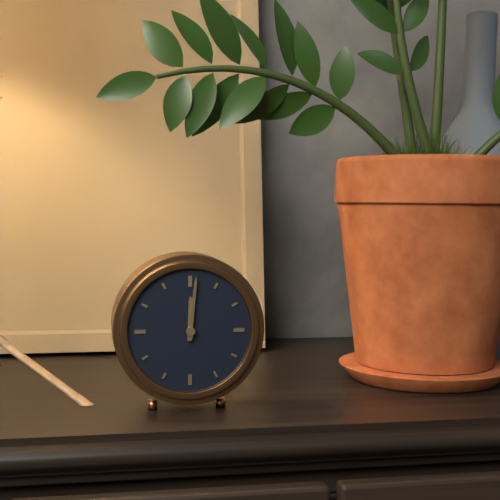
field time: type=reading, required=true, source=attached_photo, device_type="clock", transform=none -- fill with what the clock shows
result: 12:01
